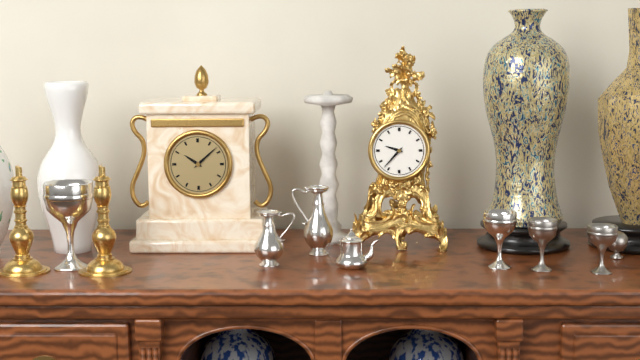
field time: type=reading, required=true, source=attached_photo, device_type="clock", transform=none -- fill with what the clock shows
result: 9:37
